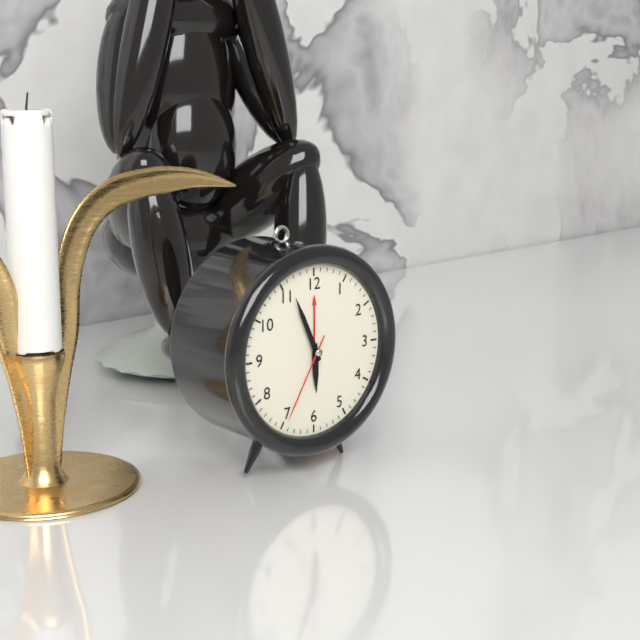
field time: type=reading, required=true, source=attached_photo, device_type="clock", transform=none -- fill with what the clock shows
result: 5:56:35
